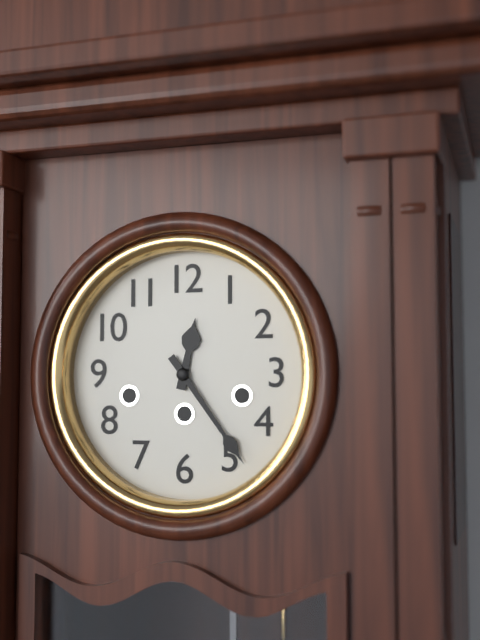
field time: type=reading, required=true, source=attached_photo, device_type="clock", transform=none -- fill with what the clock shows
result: 12:24
